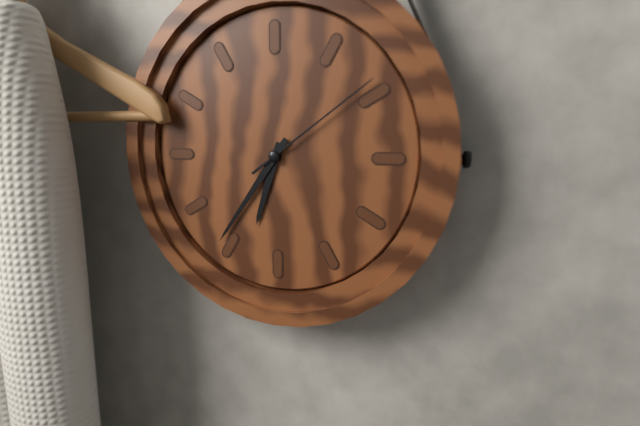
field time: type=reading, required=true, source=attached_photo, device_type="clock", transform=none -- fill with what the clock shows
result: 6:36:09
